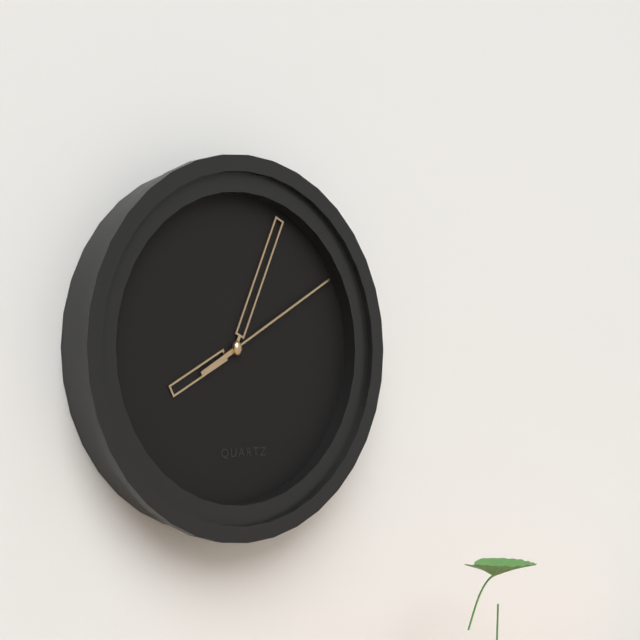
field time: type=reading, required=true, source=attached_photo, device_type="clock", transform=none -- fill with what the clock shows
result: 8:04:10
